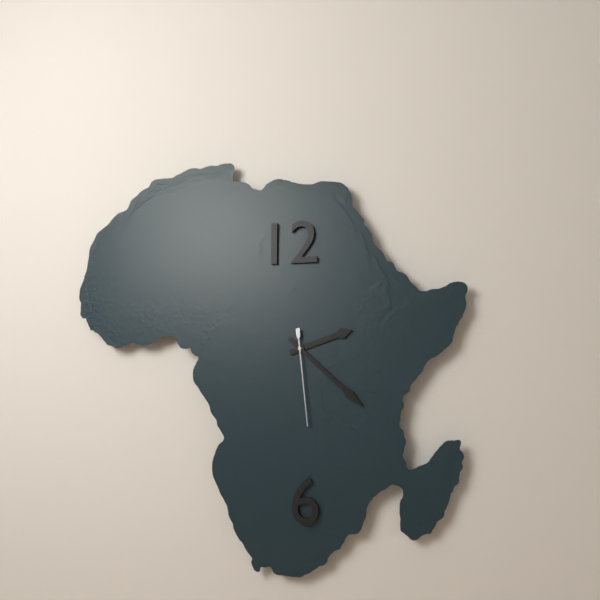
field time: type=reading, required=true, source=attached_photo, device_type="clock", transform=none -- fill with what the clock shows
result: 2:22:29
